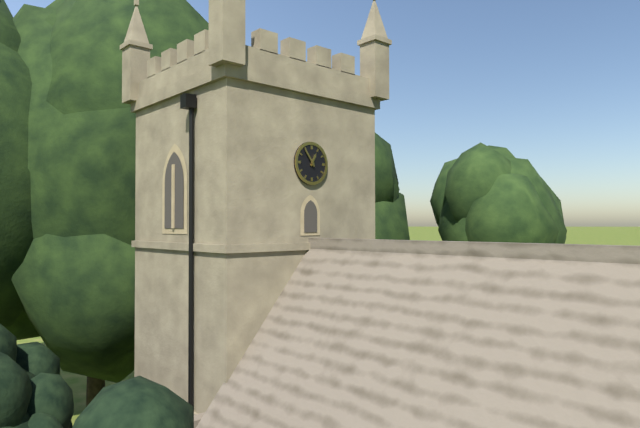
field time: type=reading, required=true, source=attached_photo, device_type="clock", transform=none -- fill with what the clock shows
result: 12:54
